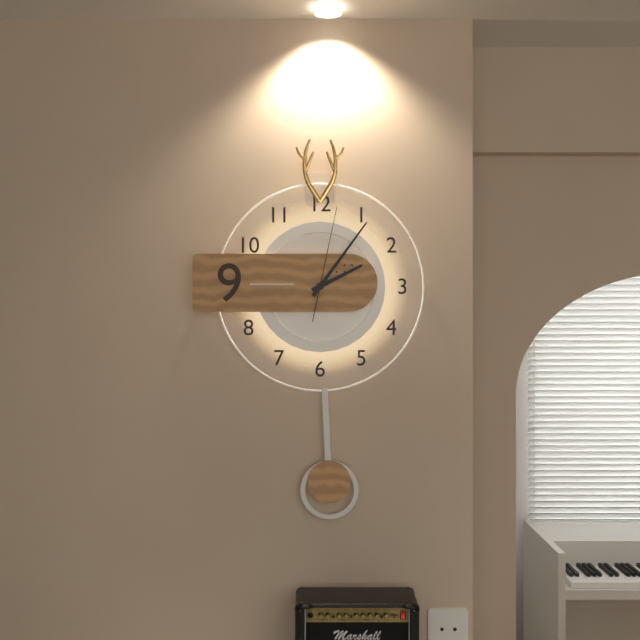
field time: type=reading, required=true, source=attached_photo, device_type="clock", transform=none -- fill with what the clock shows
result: 2:06:02
